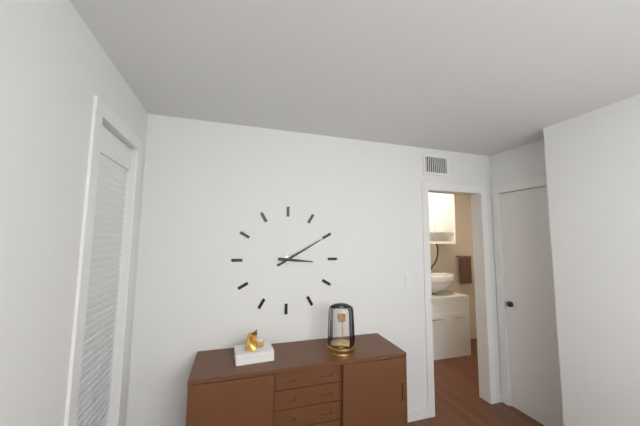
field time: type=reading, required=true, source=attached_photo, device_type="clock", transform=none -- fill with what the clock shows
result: 3:10
